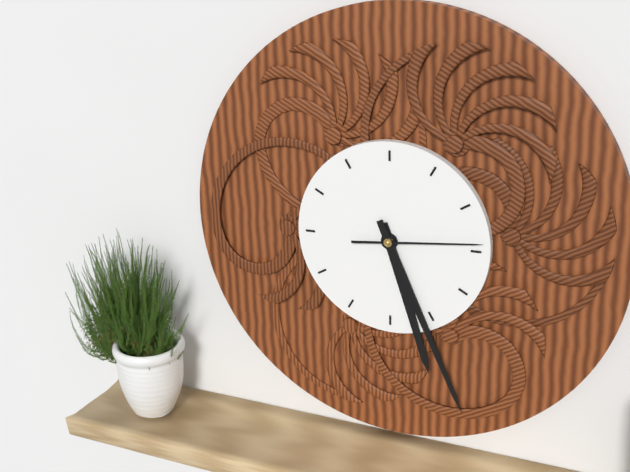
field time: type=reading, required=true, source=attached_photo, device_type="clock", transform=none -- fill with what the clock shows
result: 5:26:14
